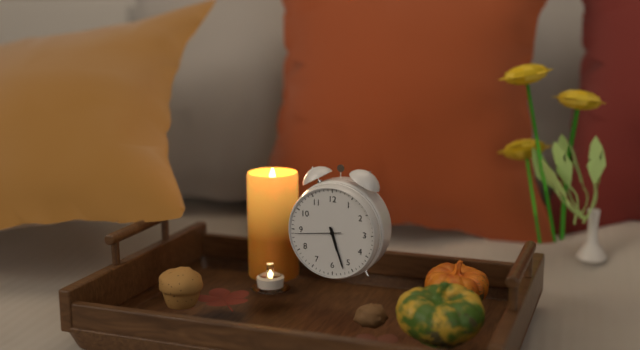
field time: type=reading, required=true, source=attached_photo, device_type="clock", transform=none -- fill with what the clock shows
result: 5:27
